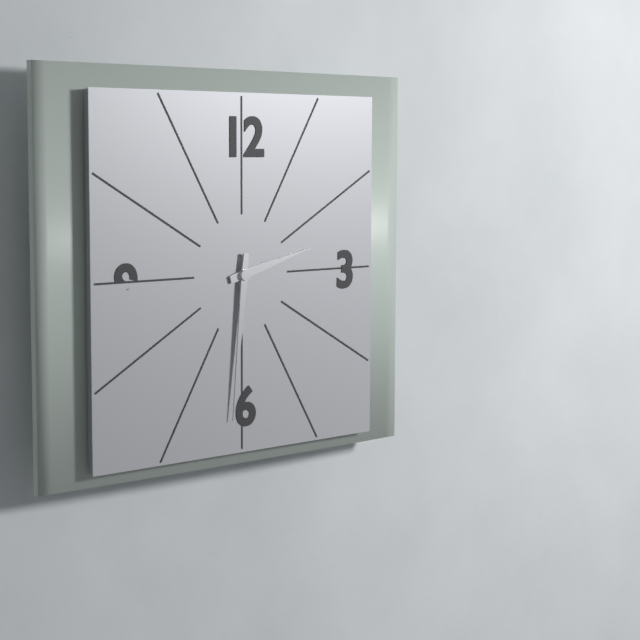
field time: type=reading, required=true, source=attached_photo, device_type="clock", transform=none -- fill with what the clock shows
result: 2:31
